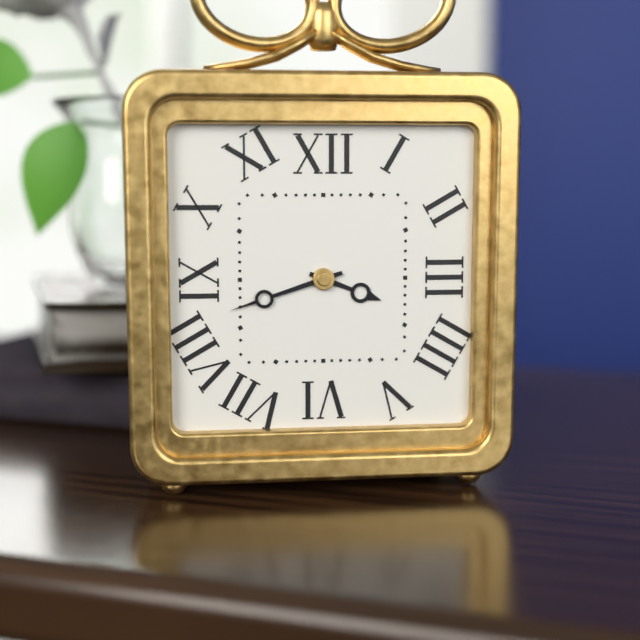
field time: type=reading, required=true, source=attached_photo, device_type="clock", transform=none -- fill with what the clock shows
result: 3:42
